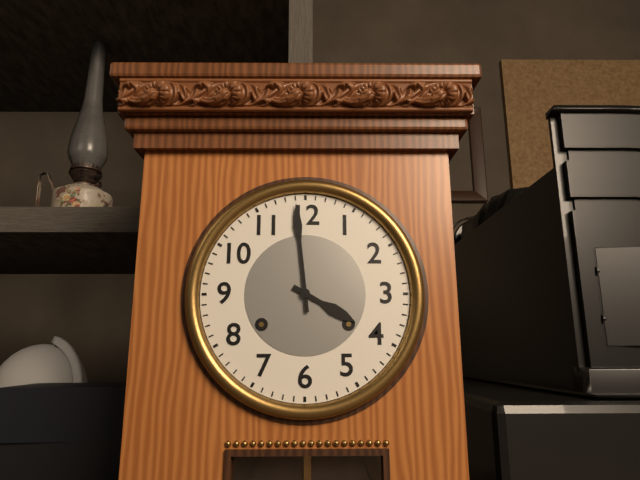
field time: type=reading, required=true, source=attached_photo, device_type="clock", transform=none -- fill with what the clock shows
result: 3:59
